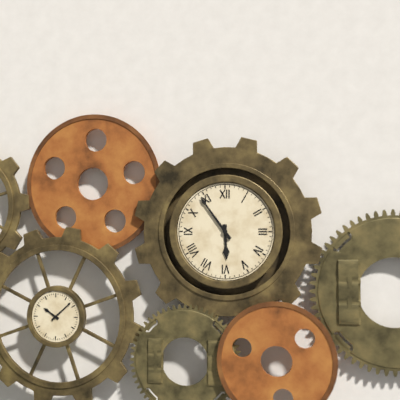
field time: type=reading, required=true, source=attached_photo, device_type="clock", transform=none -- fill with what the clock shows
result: 5:54
